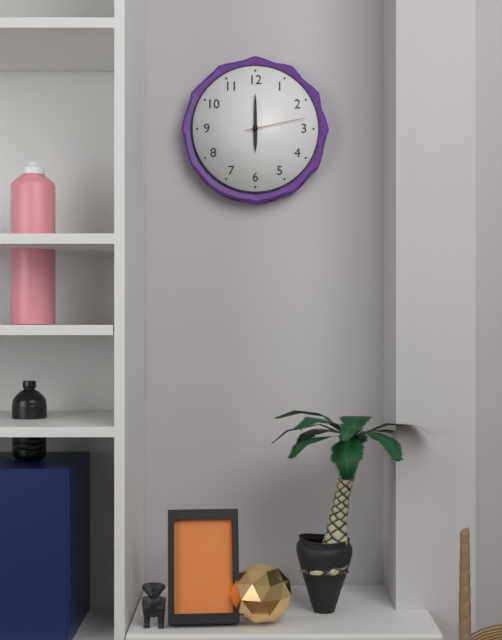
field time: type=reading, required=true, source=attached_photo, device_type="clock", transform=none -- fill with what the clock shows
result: 6:00:13
